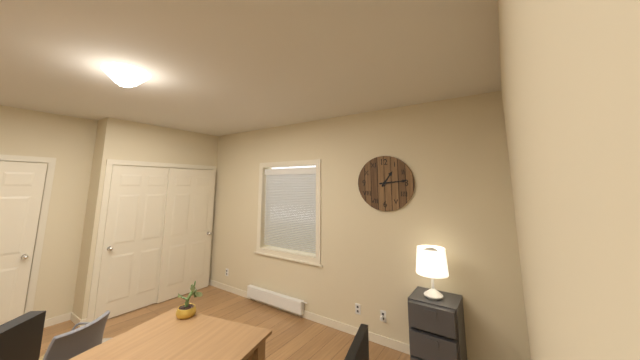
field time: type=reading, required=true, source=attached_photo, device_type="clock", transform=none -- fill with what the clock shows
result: 1:14
